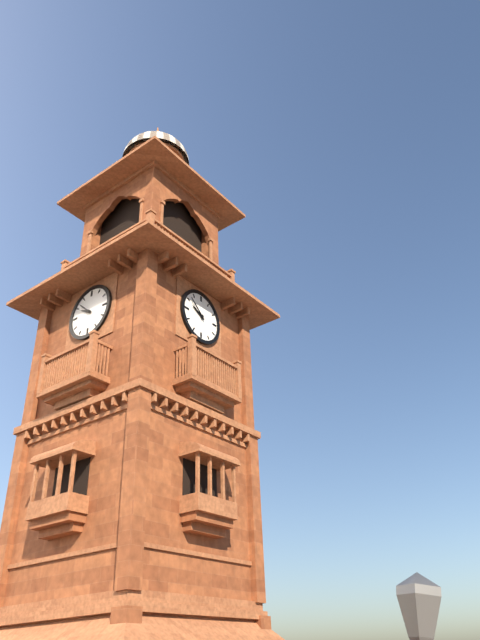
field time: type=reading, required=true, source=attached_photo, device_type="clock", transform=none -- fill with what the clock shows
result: 9:52
